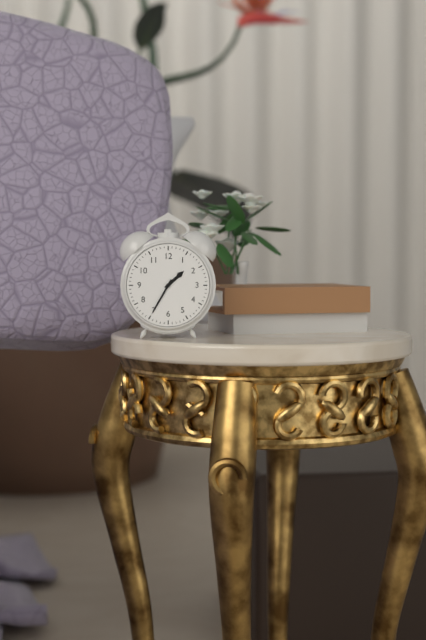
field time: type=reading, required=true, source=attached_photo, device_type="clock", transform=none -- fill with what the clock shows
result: 1:35
